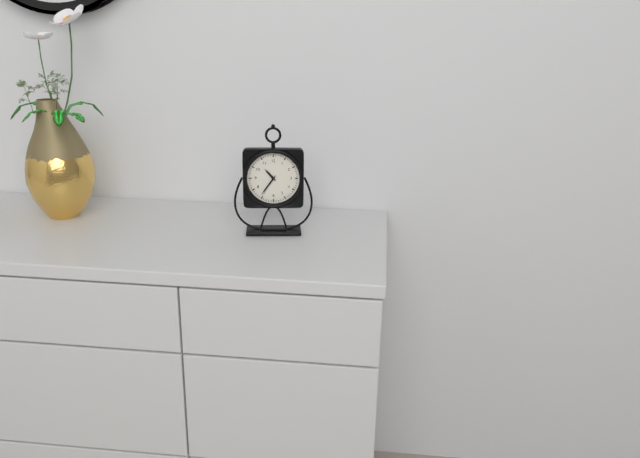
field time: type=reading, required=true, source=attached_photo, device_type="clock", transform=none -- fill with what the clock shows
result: 10:36
